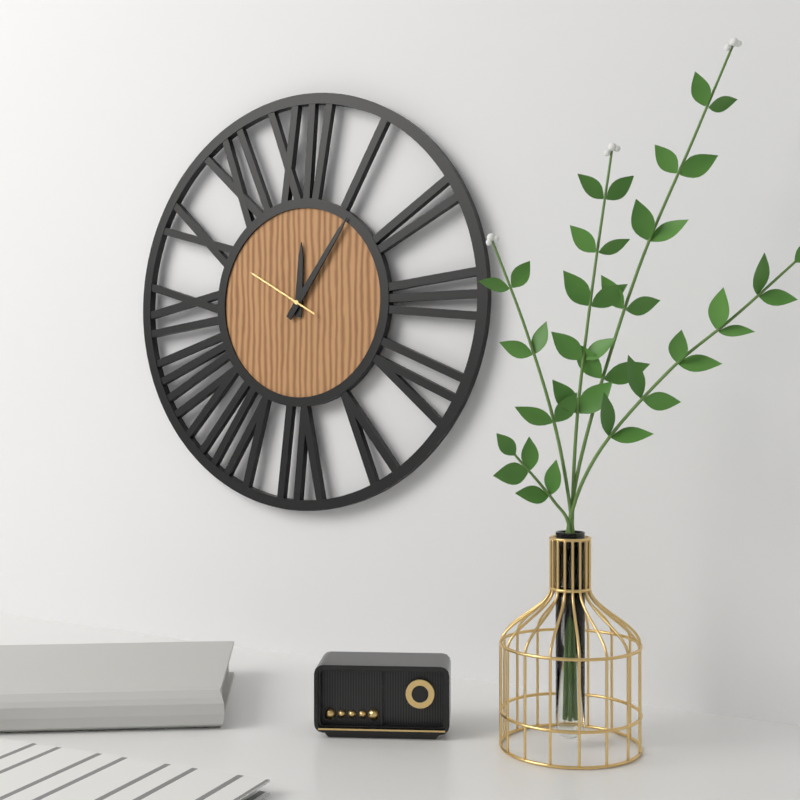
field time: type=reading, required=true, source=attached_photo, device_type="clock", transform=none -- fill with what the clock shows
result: 12:06:50
